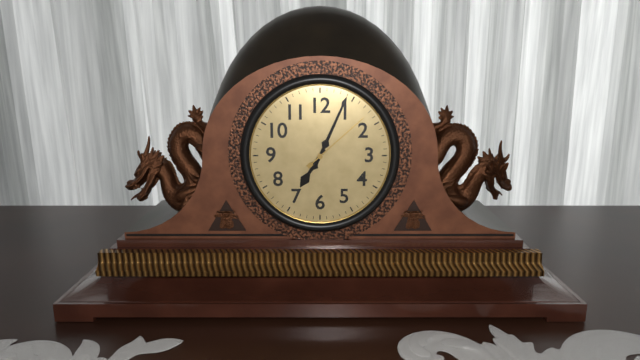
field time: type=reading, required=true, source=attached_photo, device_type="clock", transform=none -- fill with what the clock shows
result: 7:04:08
